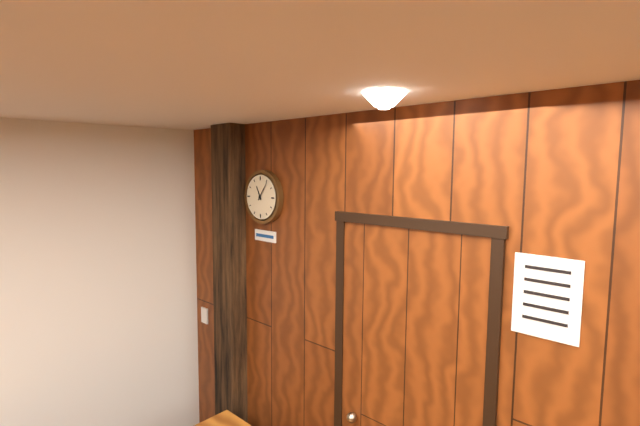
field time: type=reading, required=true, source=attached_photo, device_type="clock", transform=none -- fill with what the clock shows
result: 11:06
